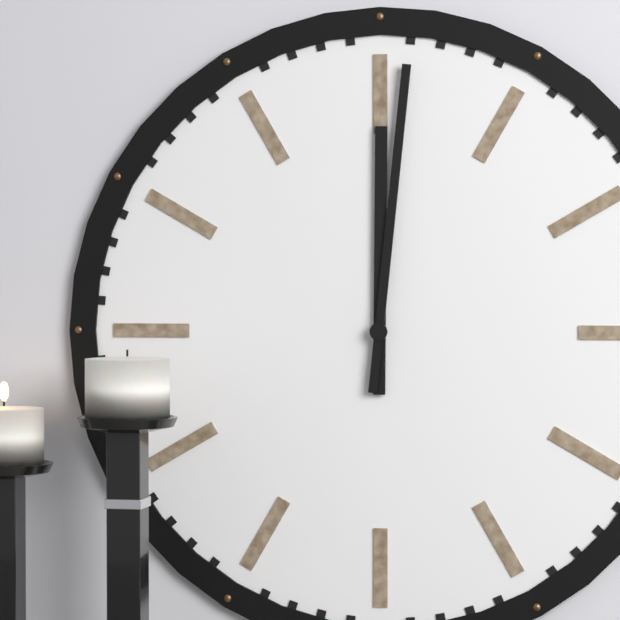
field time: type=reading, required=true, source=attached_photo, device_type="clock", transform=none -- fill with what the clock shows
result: 12:01
